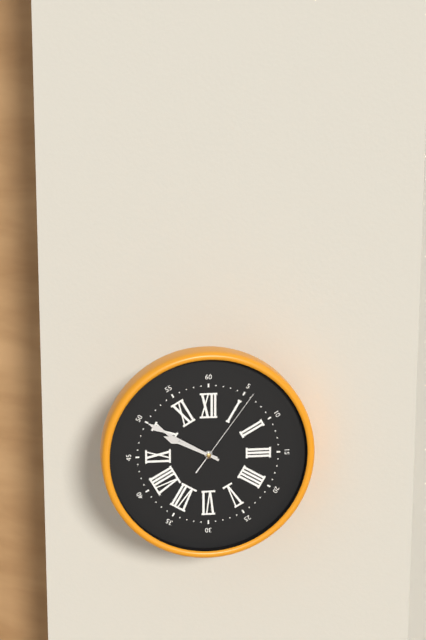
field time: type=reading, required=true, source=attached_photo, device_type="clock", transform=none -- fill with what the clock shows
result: 9:50:06
